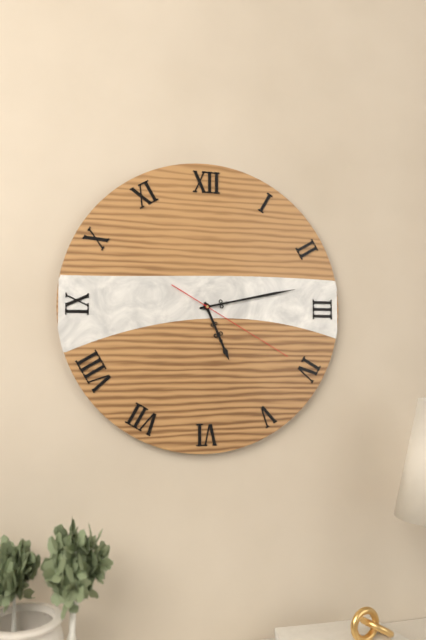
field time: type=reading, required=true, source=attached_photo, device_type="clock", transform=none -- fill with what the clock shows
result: 5:13:20
